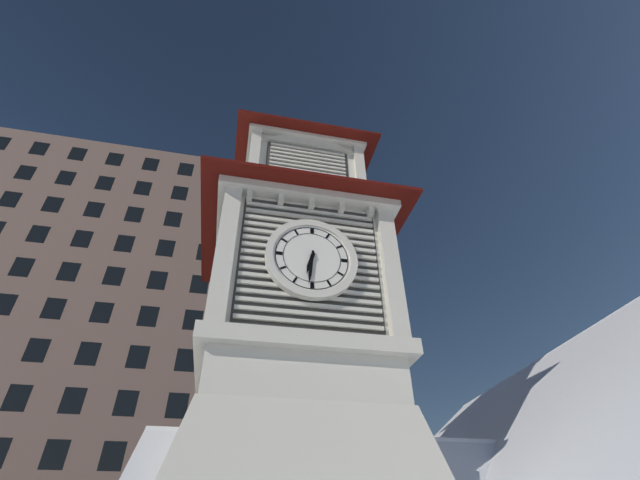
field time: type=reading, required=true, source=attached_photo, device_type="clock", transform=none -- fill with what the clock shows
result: 6:31
